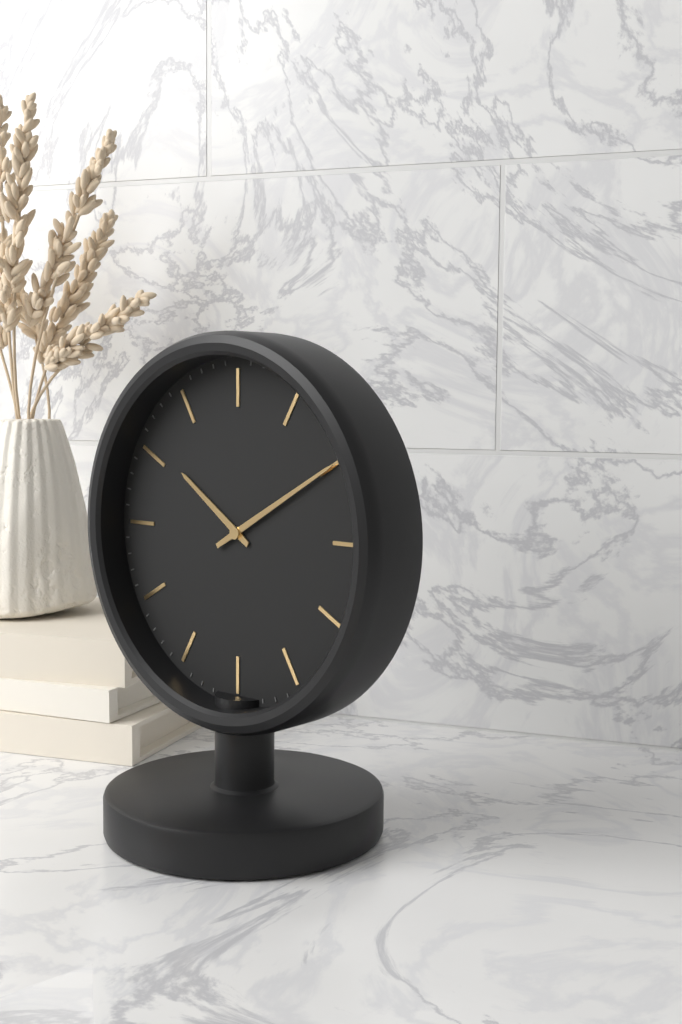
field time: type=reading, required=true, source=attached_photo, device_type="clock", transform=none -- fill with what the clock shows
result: 10:10
